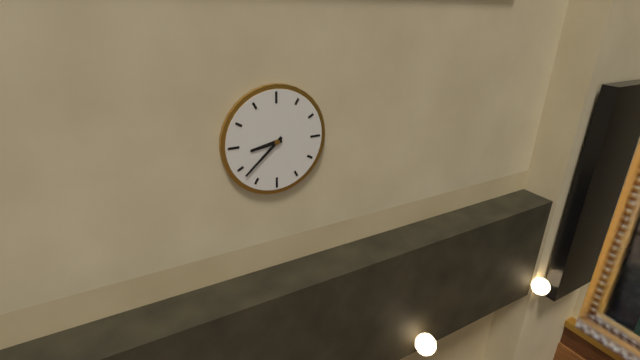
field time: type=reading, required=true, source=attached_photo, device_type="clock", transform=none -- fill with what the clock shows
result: 8:38
